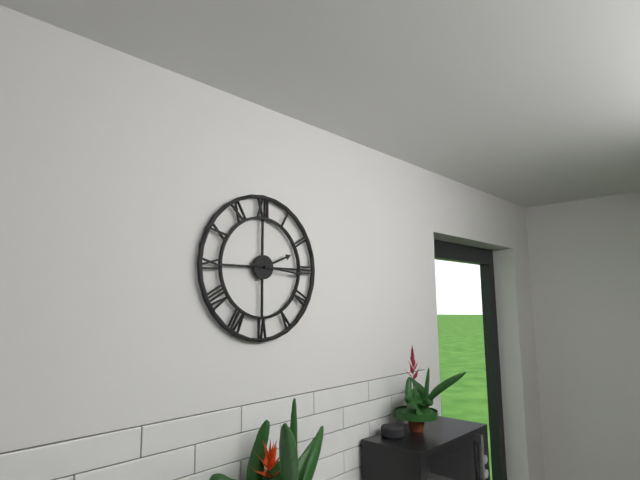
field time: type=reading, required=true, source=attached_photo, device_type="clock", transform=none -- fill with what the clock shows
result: 2:16
